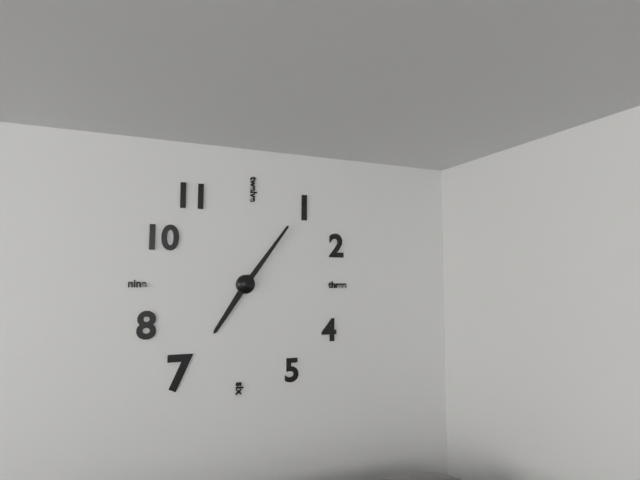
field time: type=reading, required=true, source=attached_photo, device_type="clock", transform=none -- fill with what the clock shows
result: 7:06
